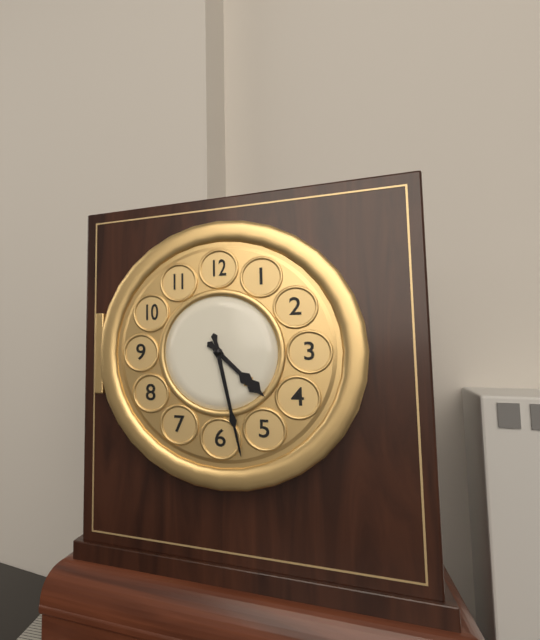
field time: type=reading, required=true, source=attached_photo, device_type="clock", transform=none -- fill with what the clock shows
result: 4:28
